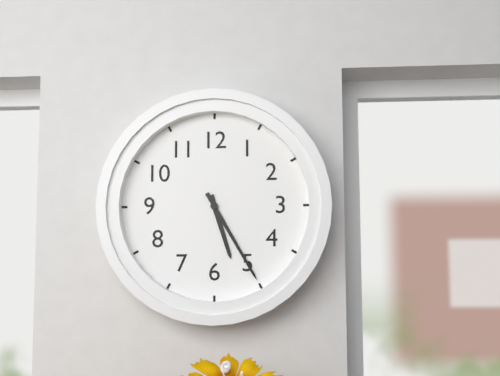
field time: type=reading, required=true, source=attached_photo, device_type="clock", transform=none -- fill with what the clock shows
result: 5:25
